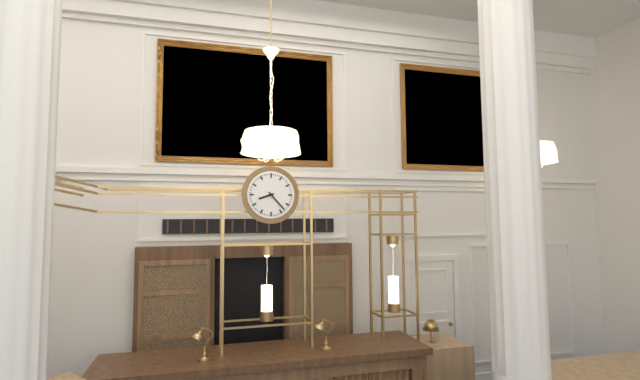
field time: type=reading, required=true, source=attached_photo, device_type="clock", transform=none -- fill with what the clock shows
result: 8:23
